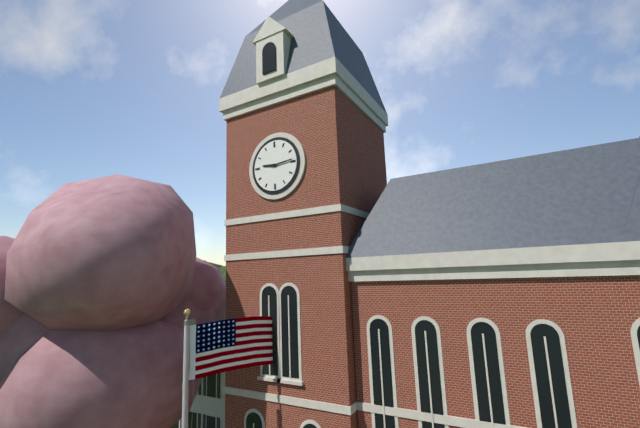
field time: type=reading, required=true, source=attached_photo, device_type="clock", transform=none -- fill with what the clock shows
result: 9:14
